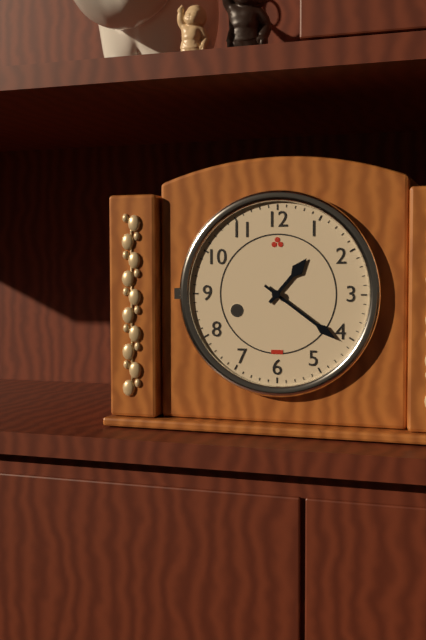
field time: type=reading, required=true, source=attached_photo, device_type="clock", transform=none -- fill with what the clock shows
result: 1:21
